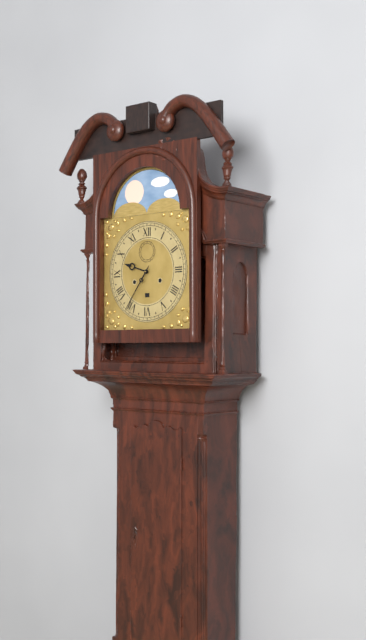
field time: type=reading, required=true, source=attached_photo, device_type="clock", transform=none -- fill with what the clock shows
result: 9:36
